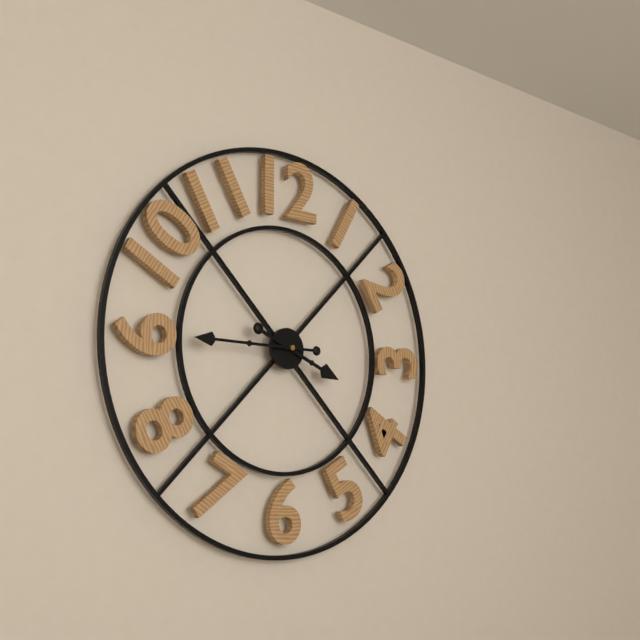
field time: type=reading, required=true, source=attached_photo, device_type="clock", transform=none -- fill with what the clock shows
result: 3:45
